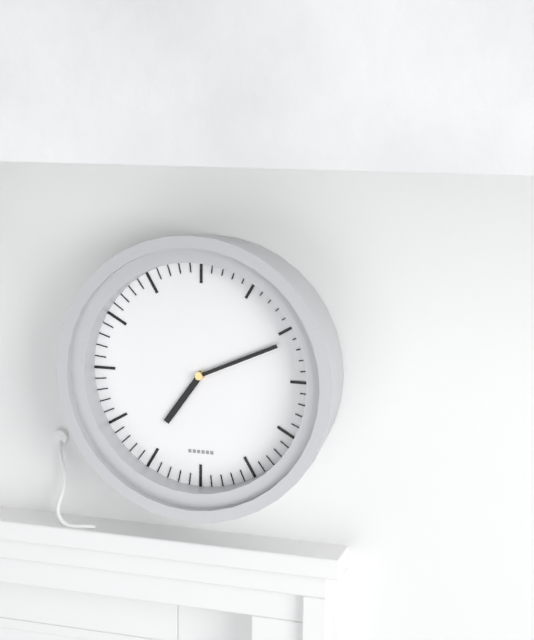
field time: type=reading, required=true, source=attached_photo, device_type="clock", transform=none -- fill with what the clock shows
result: 7:11
